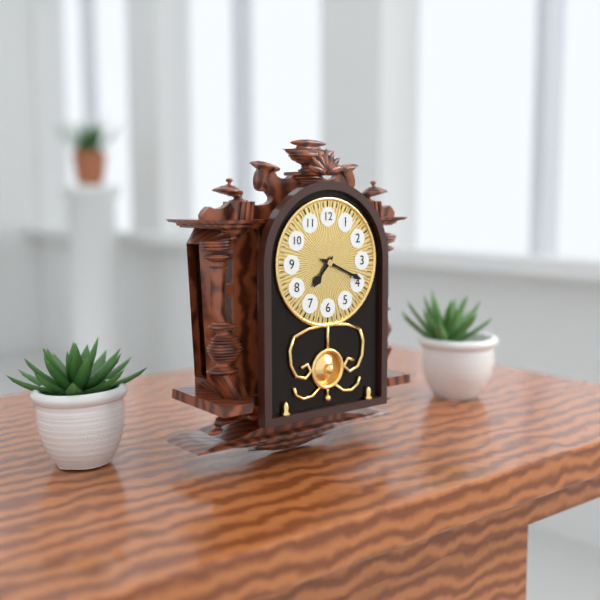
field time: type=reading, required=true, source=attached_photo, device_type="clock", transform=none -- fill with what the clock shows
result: 7:19
